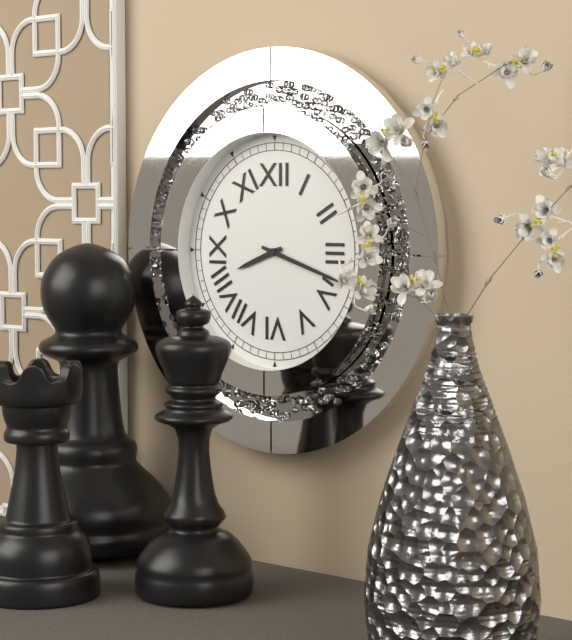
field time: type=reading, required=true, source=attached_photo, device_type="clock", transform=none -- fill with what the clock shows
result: 8:18
